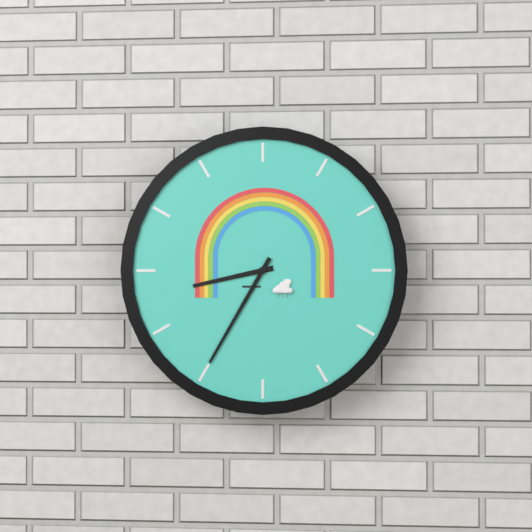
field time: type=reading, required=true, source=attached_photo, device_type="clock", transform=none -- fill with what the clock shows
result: 8:35
